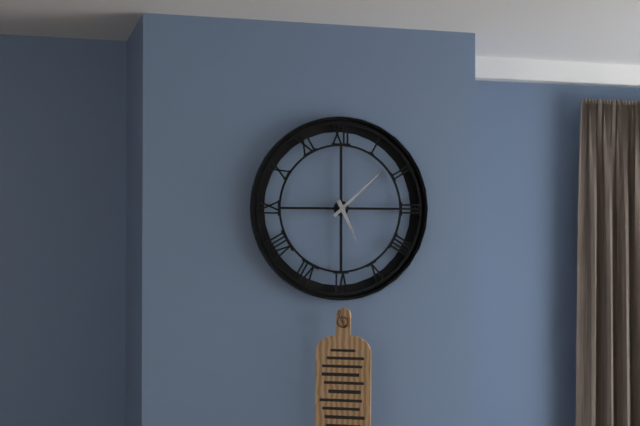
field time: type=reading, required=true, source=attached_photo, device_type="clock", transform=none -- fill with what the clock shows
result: 5:08
